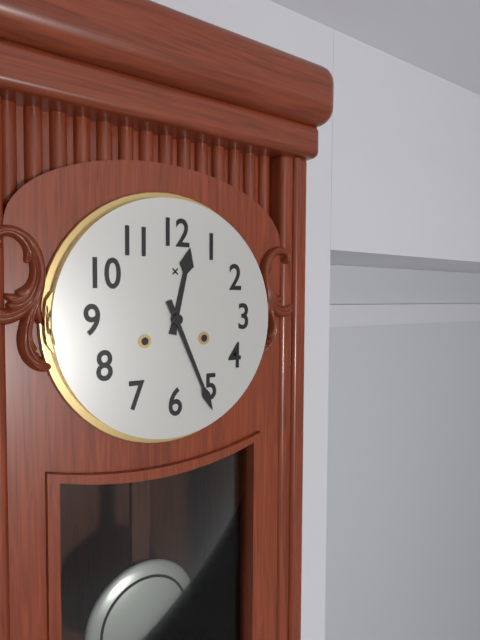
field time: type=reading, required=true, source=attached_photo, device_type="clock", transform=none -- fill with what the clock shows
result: 12:26
